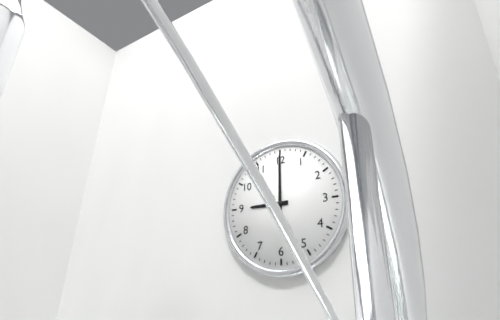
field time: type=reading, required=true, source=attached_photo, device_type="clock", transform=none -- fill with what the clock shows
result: 9:00
